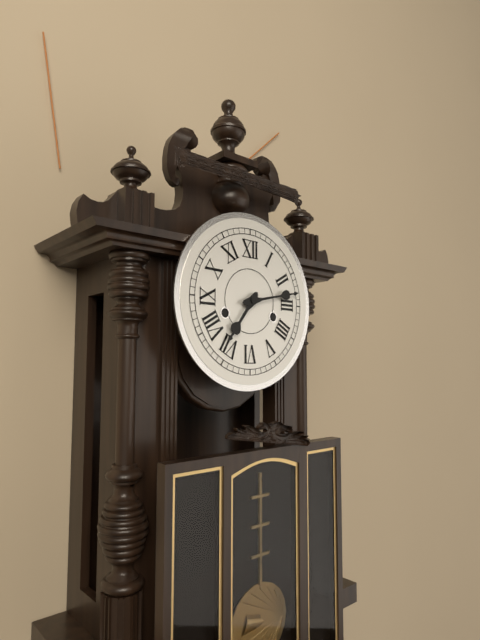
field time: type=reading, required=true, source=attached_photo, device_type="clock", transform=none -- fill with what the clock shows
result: 7:13
